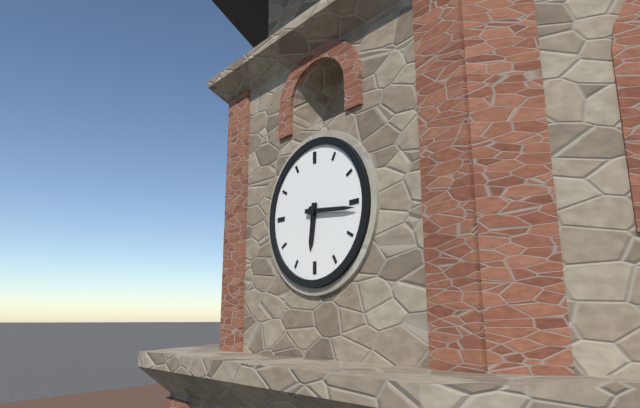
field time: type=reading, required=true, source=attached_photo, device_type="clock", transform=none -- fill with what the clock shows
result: 6:16
